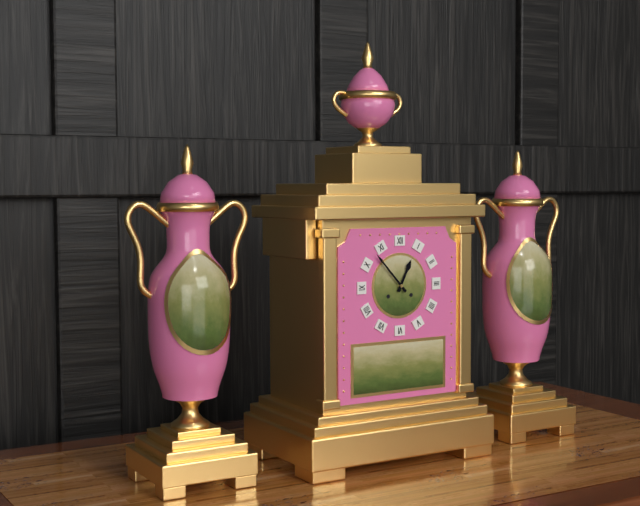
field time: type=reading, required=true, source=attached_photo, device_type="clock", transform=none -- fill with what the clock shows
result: 12:53
